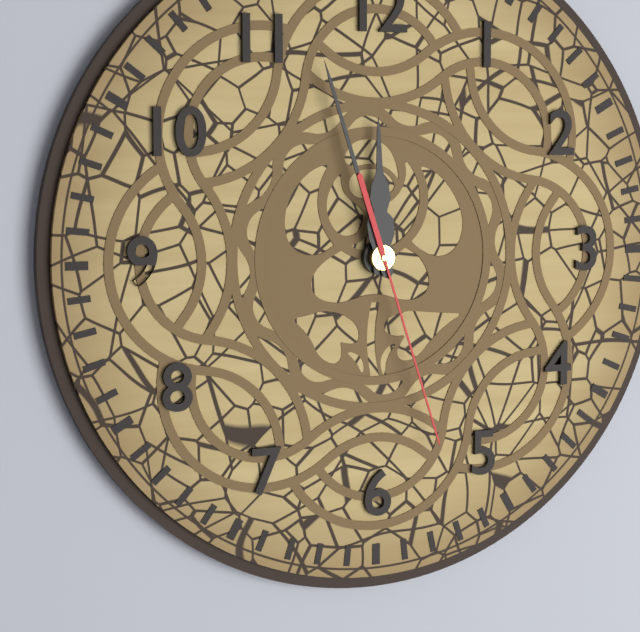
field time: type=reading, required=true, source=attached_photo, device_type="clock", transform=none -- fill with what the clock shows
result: 11:57:27
